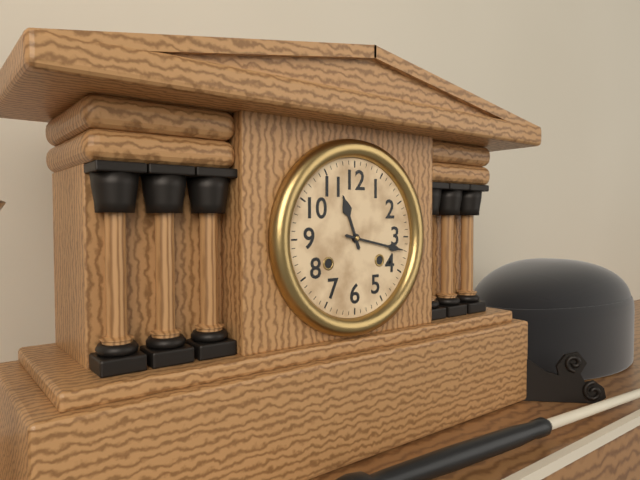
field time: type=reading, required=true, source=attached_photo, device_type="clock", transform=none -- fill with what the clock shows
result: 11:17
